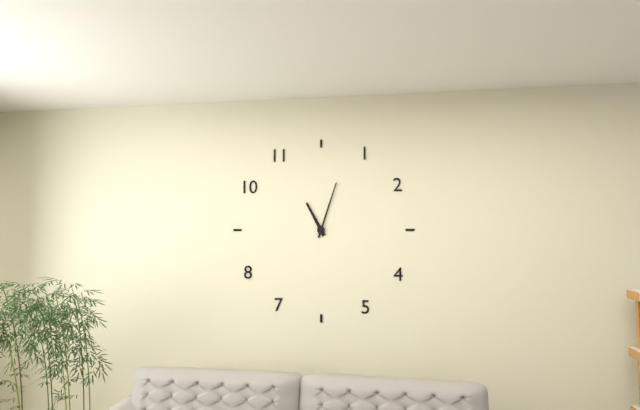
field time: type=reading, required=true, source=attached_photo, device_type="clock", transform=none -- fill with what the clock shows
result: 11:03
